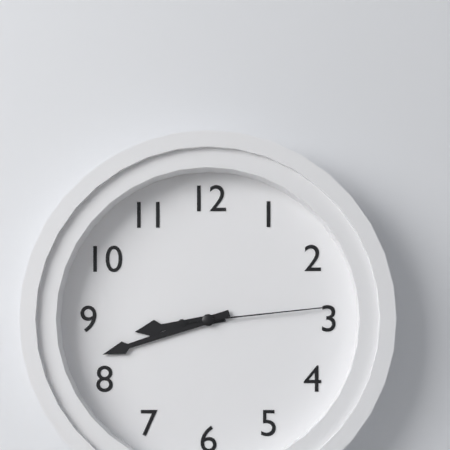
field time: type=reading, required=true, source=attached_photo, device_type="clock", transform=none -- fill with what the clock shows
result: 8:42:14
